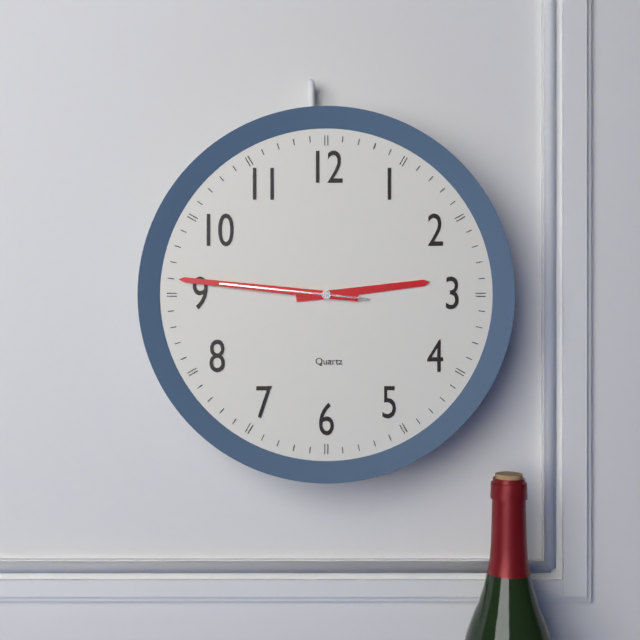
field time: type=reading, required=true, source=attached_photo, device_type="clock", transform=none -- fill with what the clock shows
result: 2:46:46
